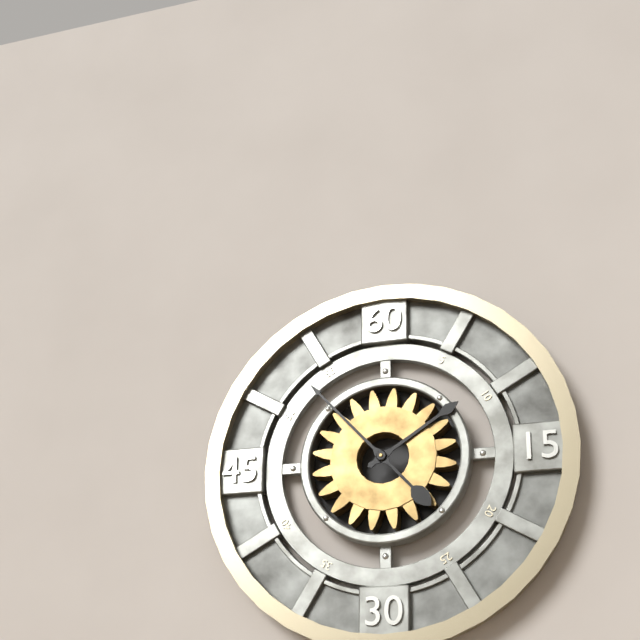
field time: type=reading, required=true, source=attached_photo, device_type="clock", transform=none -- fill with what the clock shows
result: 1:53
